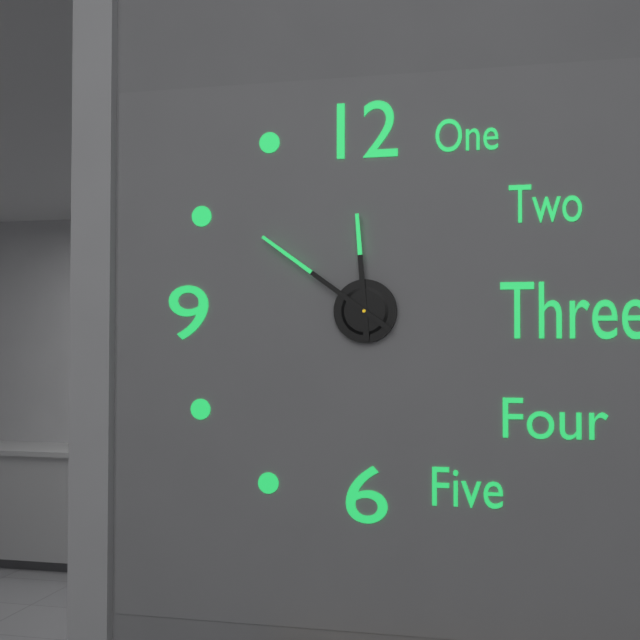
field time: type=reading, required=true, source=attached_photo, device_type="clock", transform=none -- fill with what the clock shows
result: 11:51
